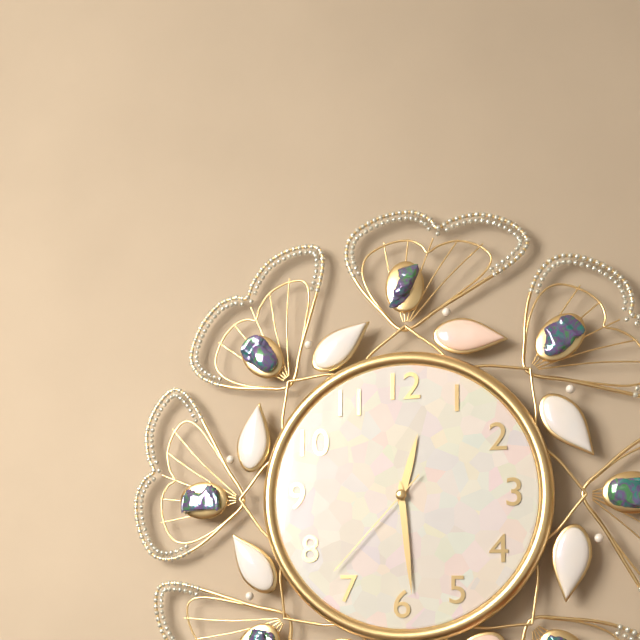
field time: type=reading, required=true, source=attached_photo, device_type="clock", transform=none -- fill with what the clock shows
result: 12:29:37
